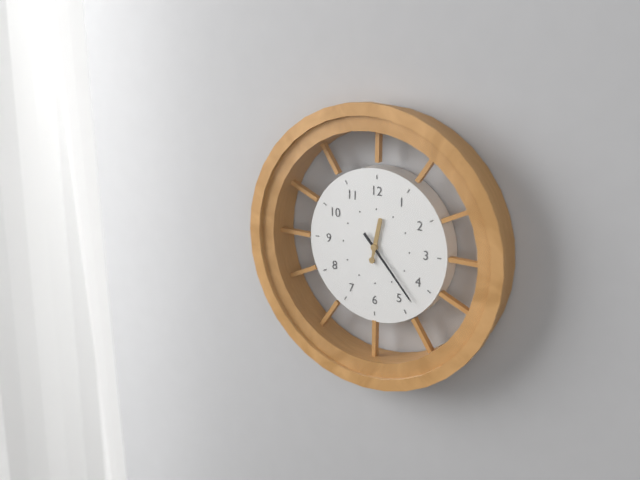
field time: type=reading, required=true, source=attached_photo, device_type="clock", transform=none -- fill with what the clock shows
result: 12:23
